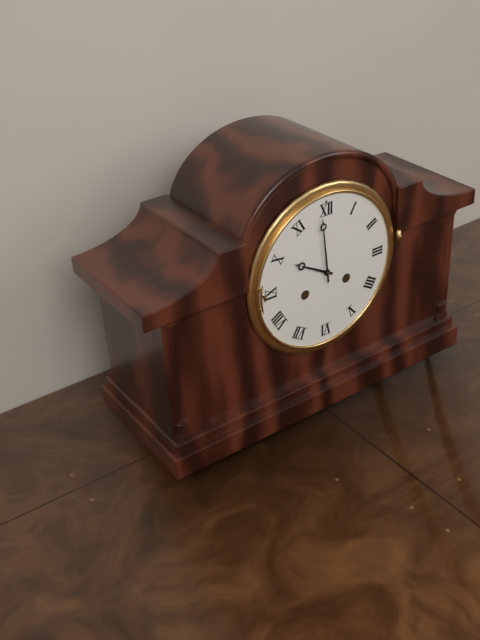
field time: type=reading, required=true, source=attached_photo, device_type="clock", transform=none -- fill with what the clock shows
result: 9:59
